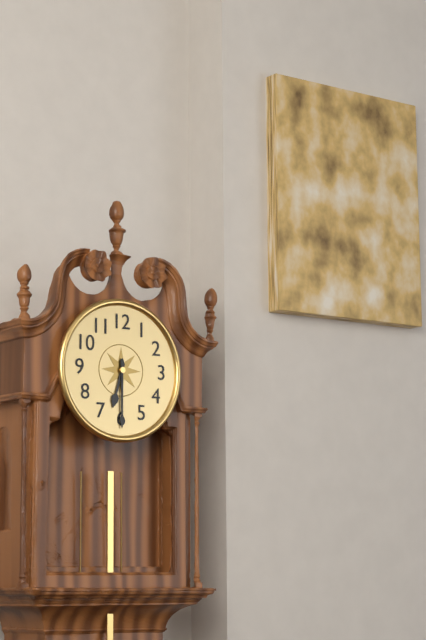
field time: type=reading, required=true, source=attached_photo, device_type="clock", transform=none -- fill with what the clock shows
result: 6:30
